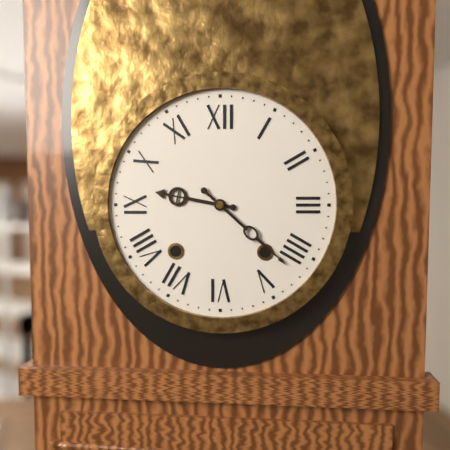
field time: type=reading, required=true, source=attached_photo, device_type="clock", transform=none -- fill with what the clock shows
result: 9:22
